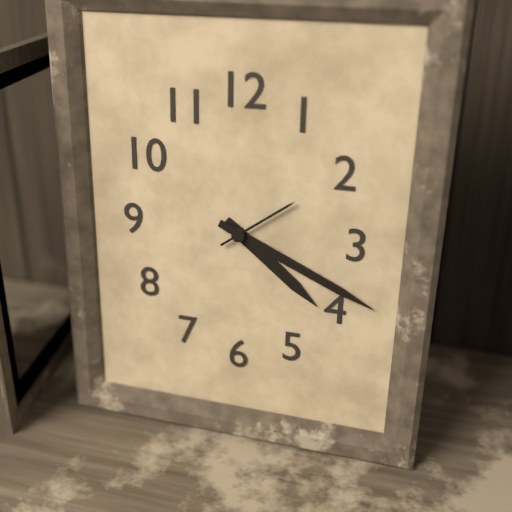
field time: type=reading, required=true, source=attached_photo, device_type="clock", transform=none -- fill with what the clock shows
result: 4:19:09
